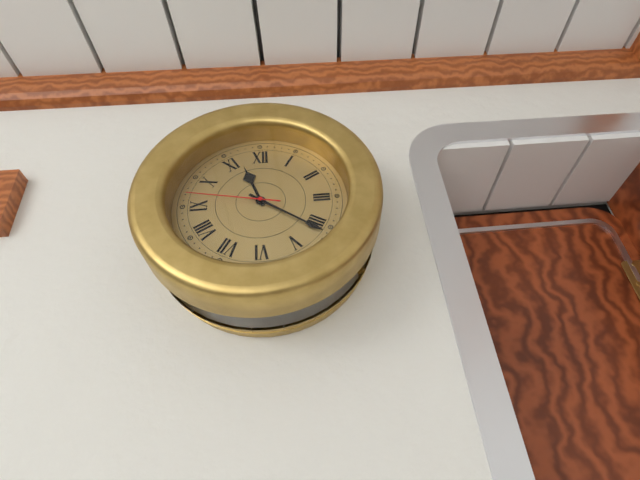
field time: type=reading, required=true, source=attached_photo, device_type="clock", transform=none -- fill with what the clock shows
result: 11:21:47
